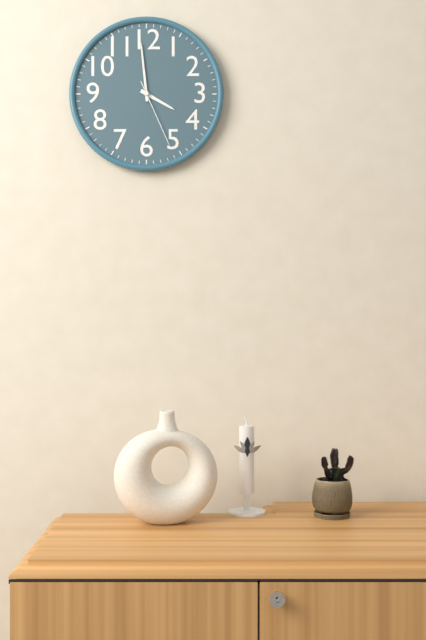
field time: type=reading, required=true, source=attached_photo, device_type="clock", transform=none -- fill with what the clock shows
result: 3:59:26
